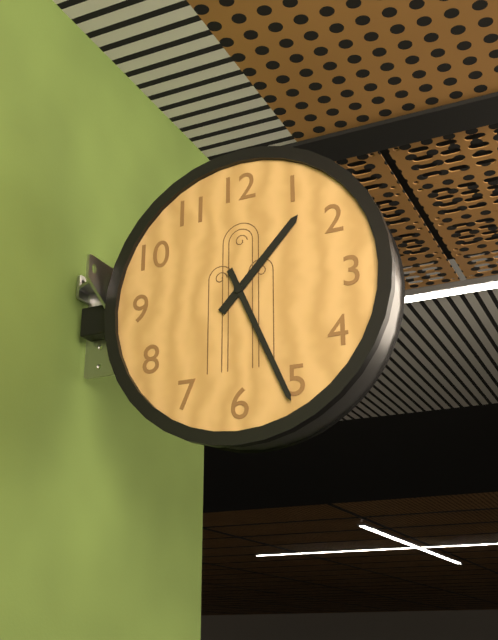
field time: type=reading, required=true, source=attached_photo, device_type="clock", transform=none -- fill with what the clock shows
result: 1:26
